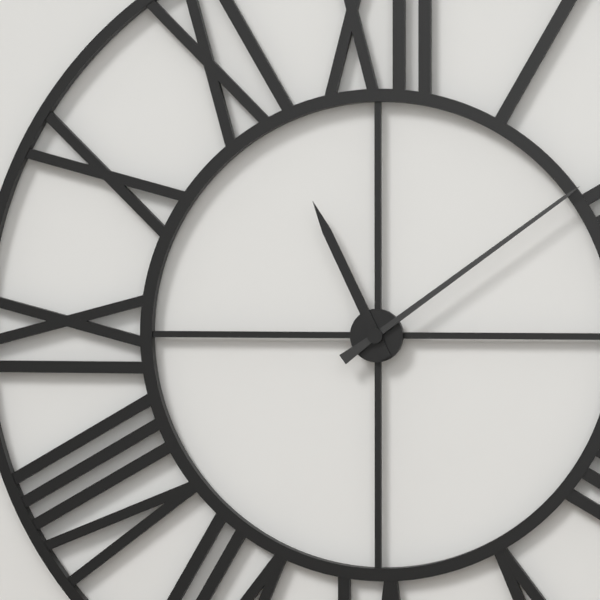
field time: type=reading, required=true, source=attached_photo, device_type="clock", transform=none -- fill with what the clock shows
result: 11:09
